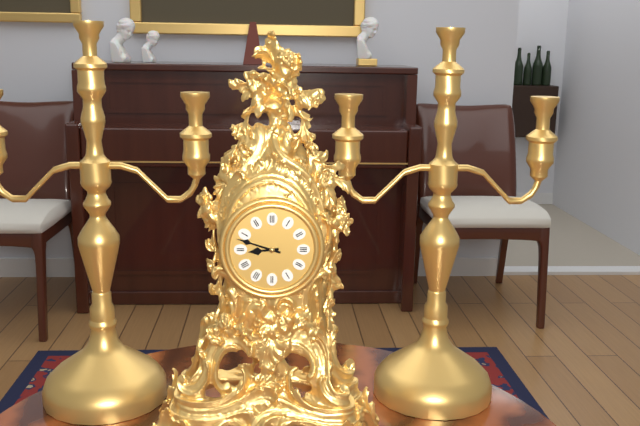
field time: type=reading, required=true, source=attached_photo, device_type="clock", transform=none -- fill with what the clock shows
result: 8:48
